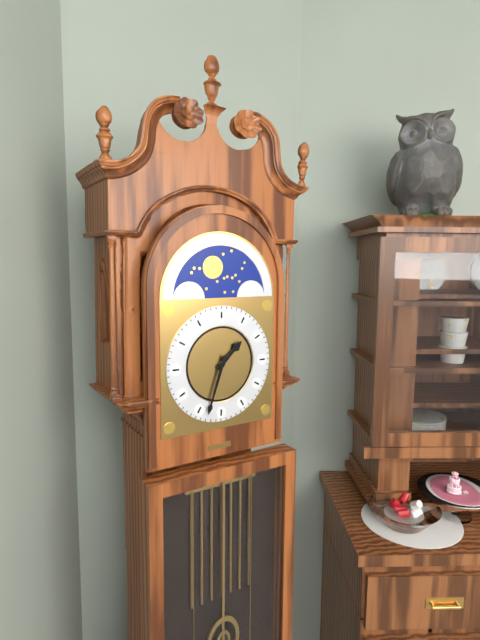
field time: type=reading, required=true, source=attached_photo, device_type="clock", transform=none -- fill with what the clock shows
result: 1:33
